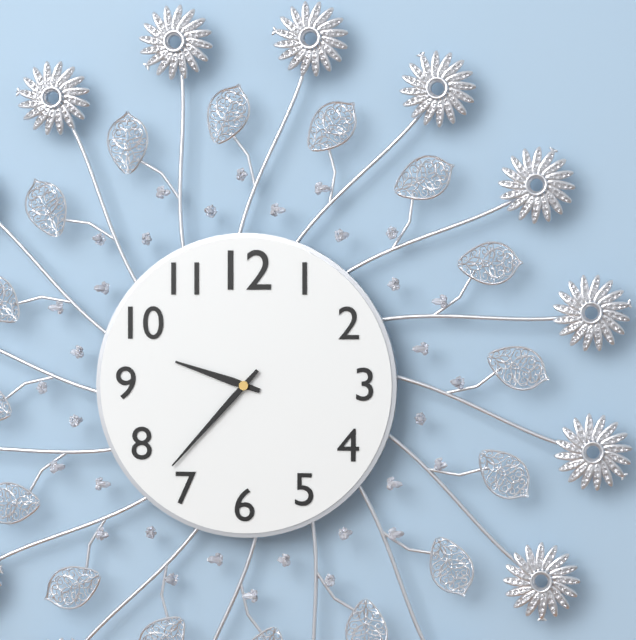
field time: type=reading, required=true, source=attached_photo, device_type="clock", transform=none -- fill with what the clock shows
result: 9:37
